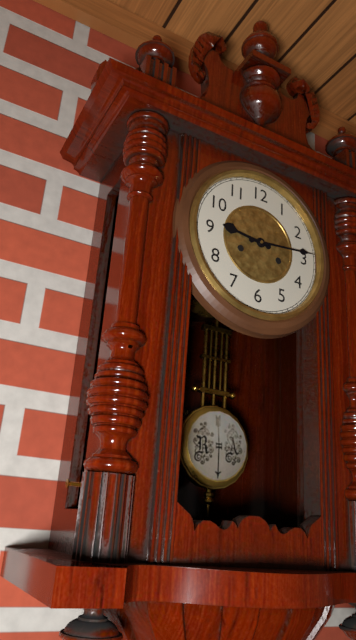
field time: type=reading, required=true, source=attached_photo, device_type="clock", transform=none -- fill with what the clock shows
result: 9:14
